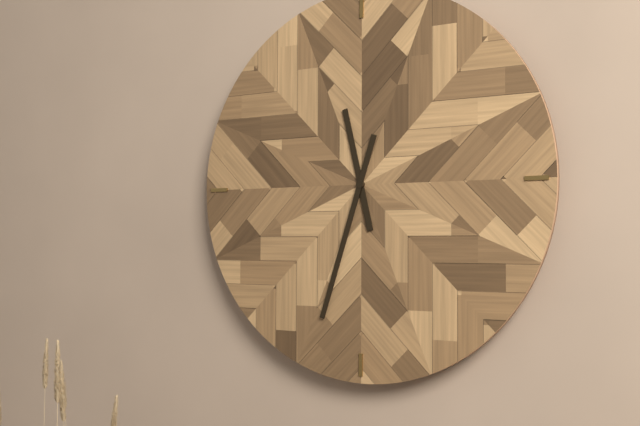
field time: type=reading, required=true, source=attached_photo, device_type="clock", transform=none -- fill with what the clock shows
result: 11:33
